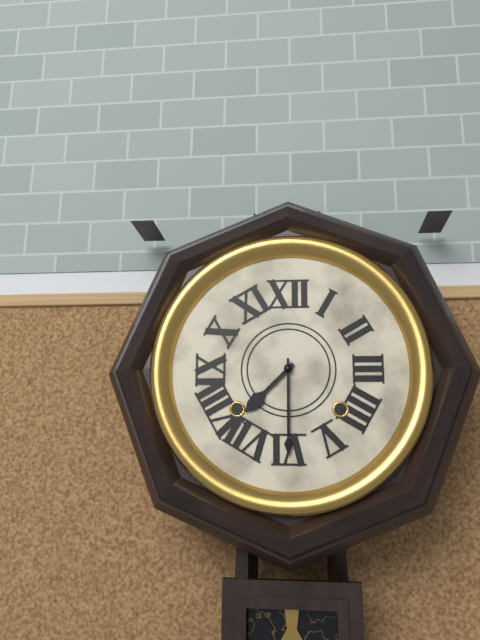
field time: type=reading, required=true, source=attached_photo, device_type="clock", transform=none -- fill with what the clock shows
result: 7:30
